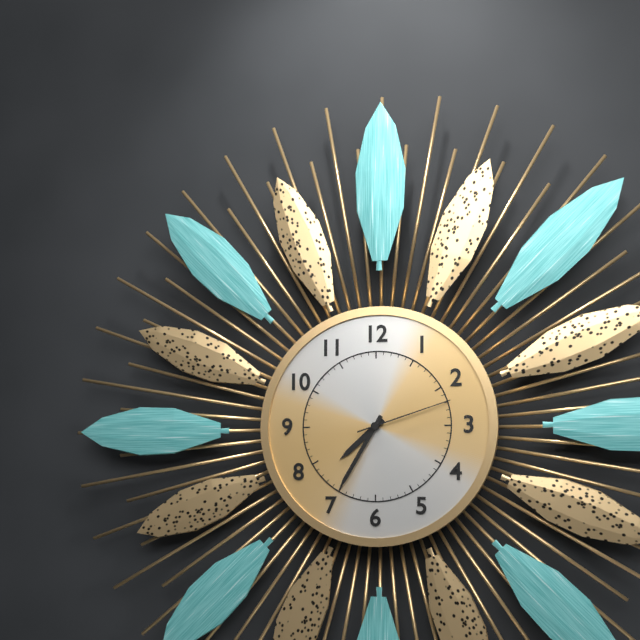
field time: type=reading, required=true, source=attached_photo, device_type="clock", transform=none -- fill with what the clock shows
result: 7:35:12
